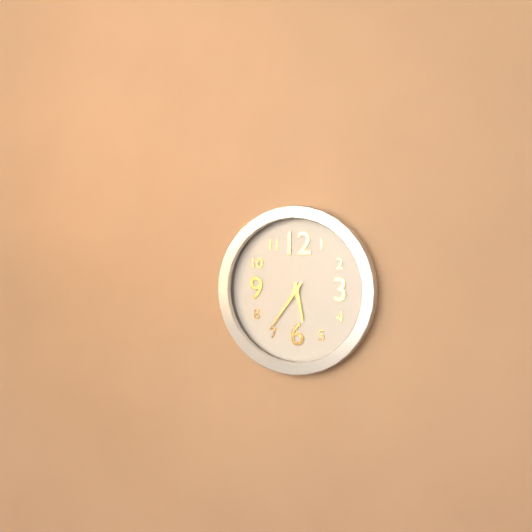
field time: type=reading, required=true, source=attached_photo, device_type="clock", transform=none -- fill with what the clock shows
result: 5:36
